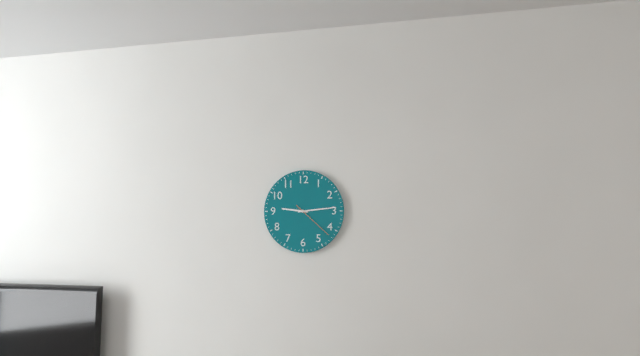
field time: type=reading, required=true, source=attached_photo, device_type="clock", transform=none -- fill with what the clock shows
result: 9:14
